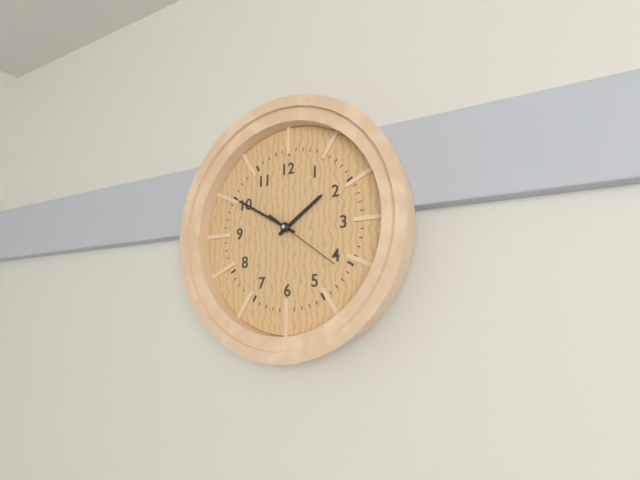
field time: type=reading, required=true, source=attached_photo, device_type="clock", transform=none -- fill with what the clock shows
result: 1:50:21
